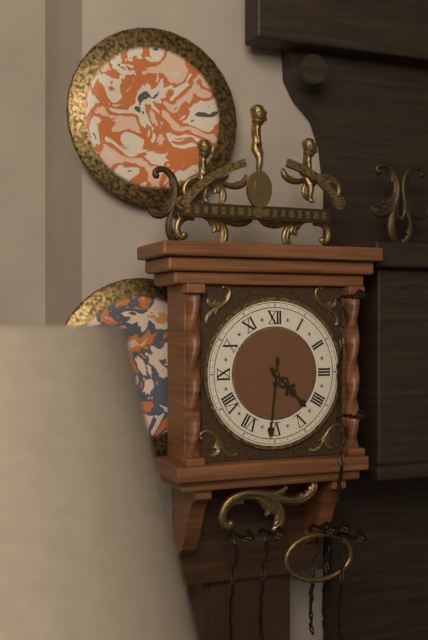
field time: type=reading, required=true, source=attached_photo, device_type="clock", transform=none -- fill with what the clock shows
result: 4:31
